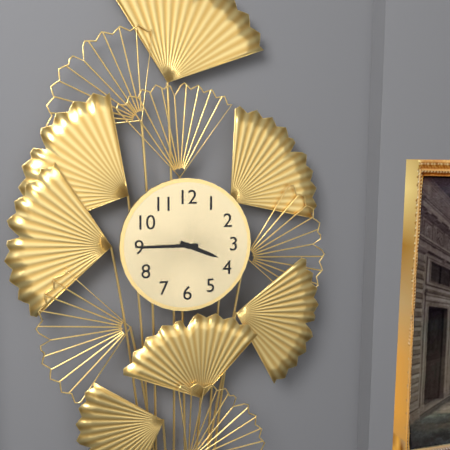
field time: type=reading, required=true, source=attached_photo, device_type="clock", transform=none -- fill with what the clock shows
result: 3:45
